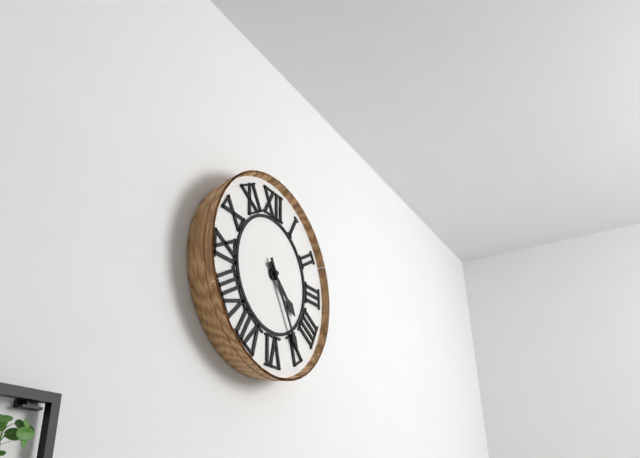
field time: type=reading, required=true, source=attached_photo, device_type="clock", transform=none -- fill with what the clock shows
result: 4:25
